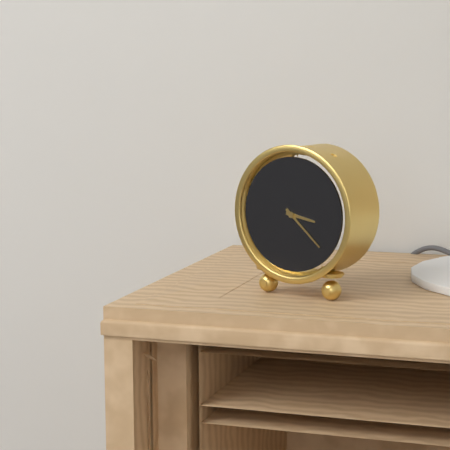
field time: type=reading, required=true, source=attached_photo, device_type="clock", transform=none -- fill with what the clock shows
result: 3:22
